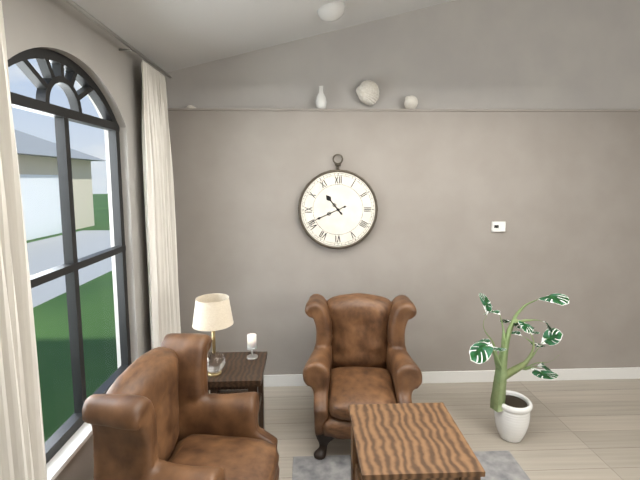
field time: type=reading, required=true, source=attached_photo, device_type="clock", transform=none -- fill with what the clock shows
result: 10:41
